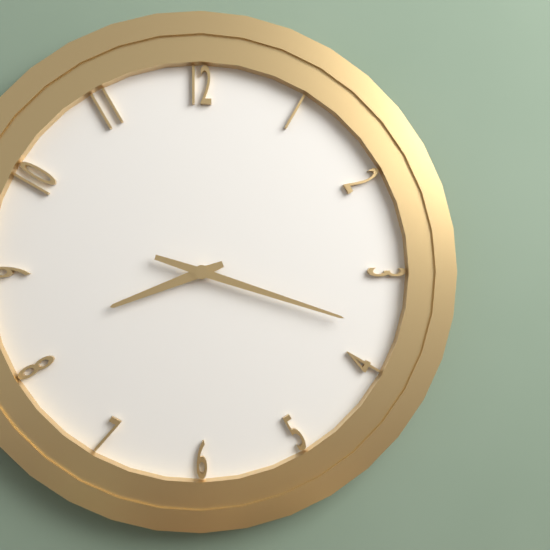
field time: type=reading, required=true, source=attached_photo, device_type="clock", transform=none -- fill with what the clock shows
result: 8:18
